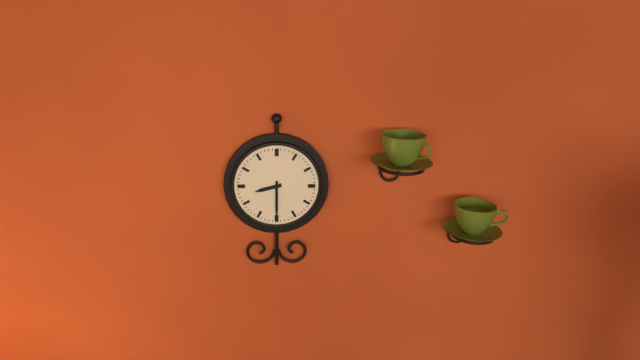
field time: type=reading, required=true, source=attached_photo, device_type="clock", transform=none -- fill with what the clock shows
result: 8:30
